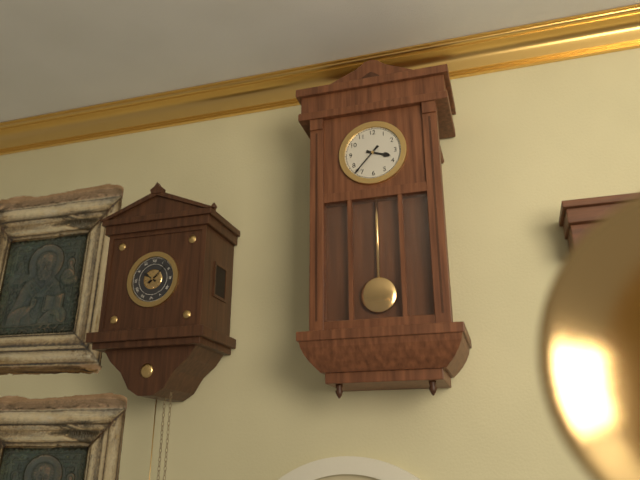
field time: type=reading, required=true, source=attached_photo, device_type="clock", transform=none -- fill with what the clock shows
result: 3:37
